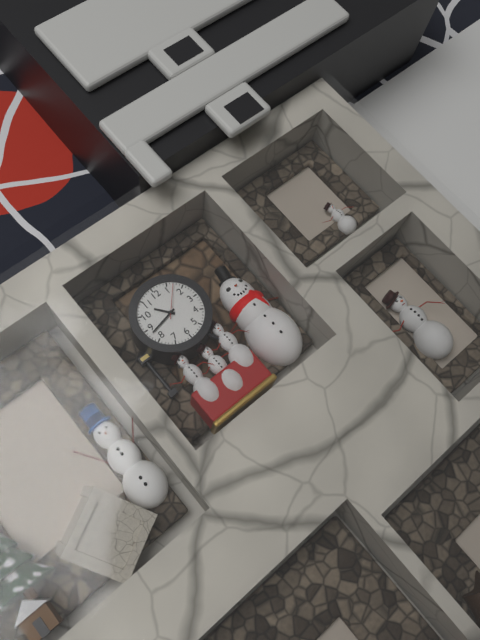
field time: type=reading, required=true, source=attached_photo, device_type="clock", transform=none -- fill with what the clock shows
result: 10:43
